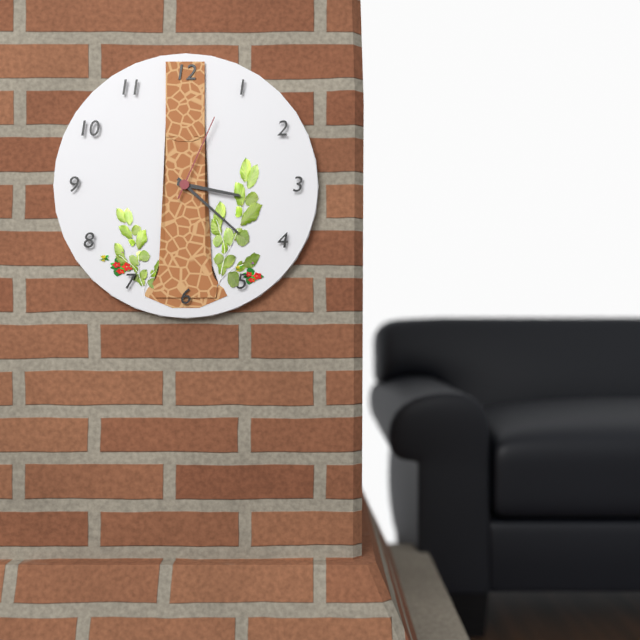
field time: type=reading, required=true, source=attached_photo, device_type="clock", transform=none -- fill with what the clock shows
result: 3:22:04
